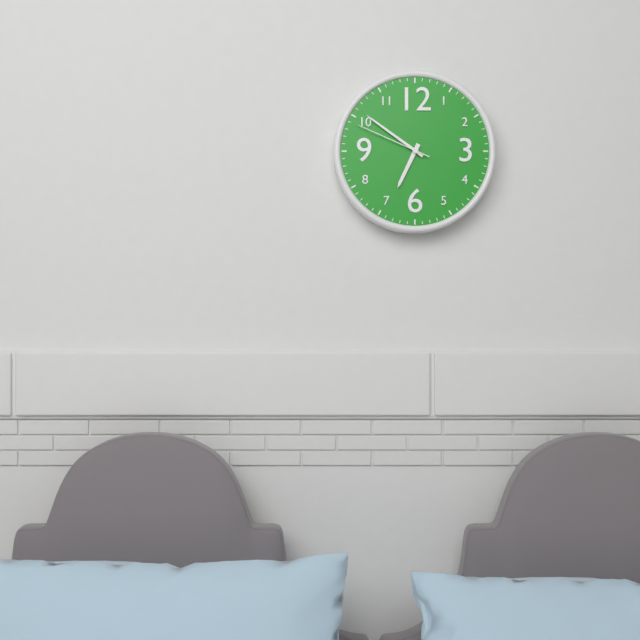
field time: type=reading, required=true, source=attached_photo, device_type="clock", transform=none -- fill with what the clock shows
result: 6:51:49
